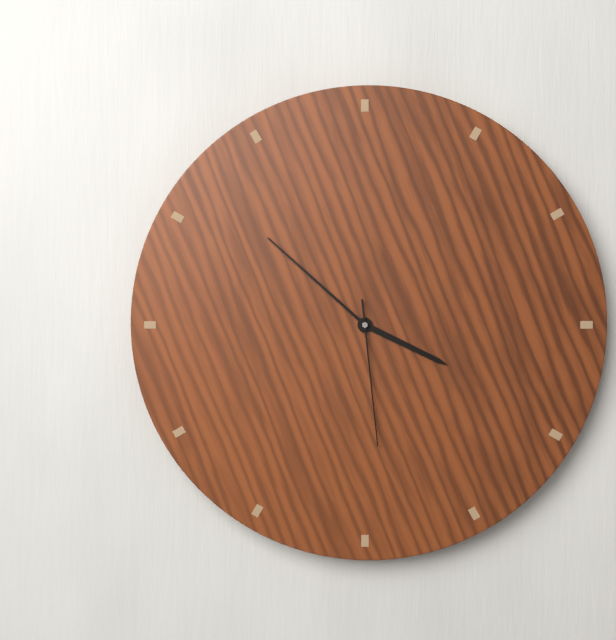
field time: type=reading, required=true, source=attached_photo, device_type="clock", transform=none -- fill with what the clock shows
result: 3:52:29
